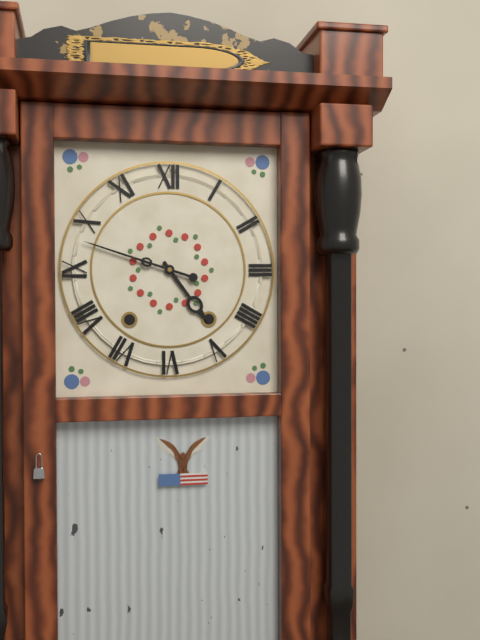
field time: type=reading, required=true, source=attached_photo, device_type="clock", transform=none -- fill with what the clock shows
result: 4:48
